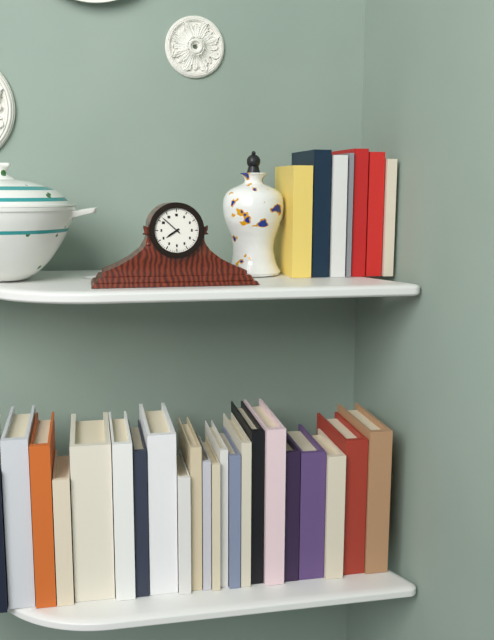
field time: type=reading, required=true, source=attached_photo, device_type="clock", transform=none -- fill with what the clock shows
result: 7:52
